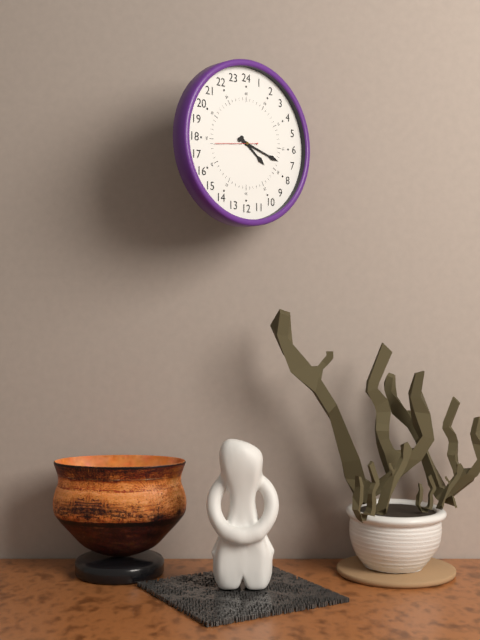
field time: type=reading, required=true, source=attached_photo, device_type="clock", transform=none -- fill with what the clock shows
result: 4:18
